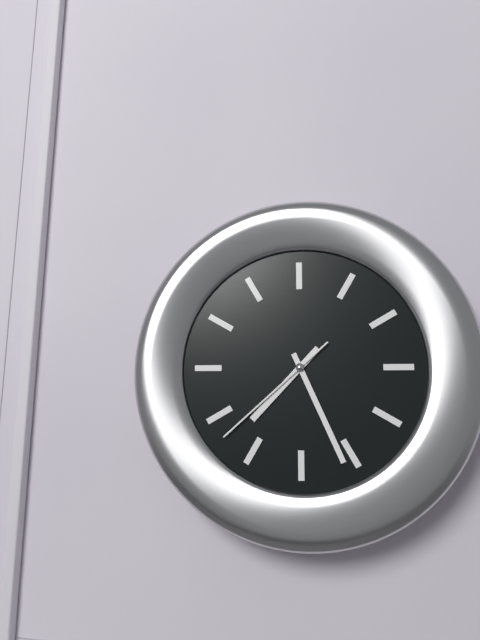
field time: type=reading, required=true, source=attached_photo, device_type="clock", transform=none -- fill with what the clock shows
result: 7:26:38
